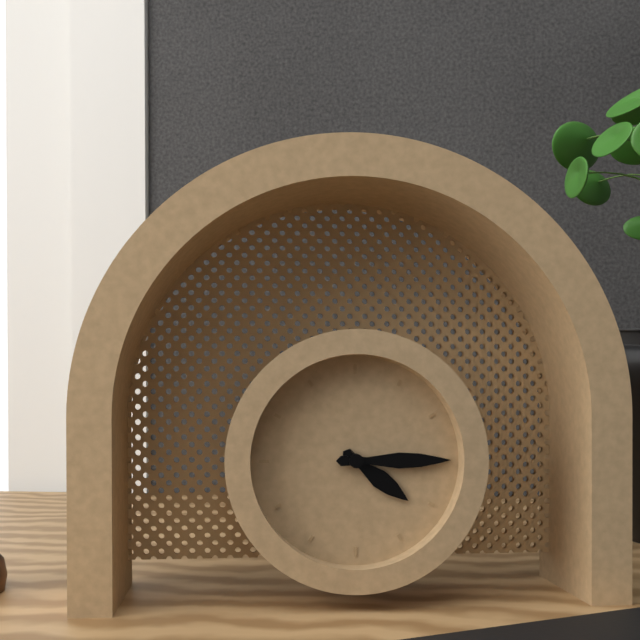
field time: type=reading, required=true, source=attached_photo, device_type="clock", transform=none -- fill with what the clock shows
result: 4:15
